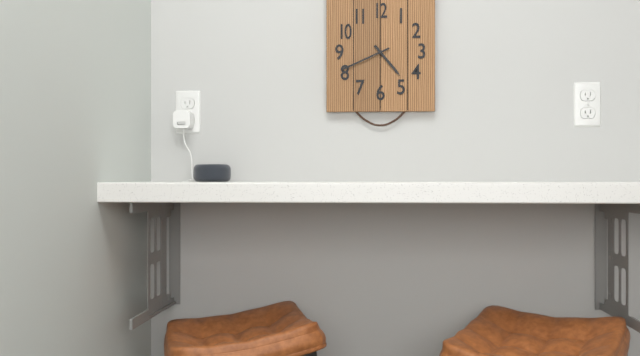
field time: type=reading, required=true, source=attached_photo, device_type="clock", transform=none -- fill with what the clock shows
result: 4:41
